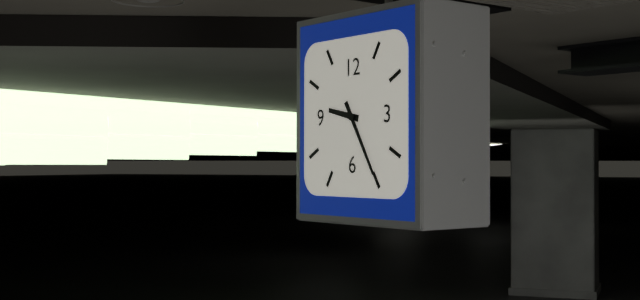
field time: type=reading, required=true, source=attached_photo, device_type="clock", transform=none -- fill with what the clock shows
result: 9:25
